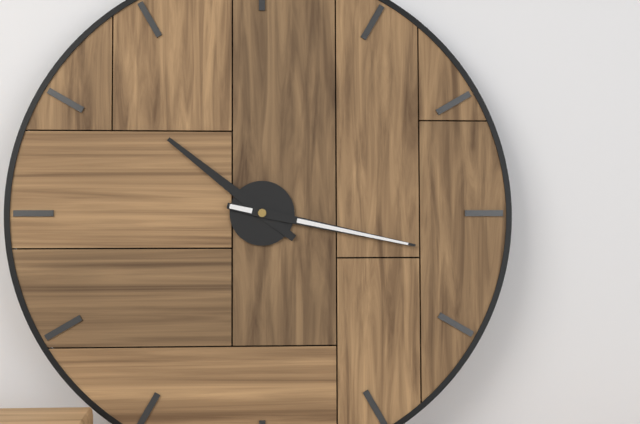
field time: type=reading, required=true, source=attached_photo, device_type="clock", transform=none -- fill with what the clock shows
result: 10:17
